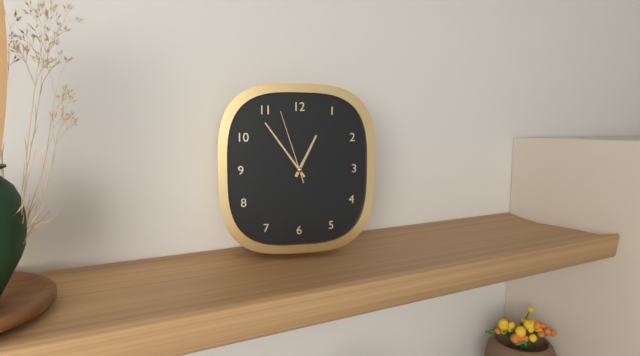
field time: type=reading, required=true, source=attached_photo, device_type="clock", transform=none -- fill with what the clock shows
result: 12:54:57
